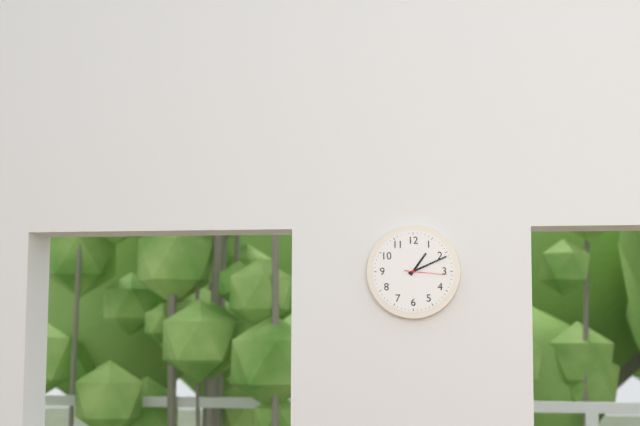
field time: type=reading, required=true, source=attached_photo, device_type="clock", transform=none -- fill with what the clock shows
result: 1:11
